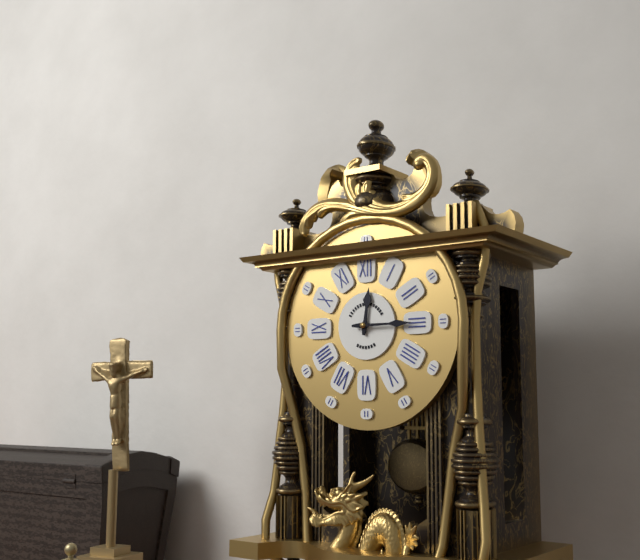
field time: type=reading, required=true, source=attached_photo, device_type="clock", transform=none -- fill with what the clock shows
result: 12:15
